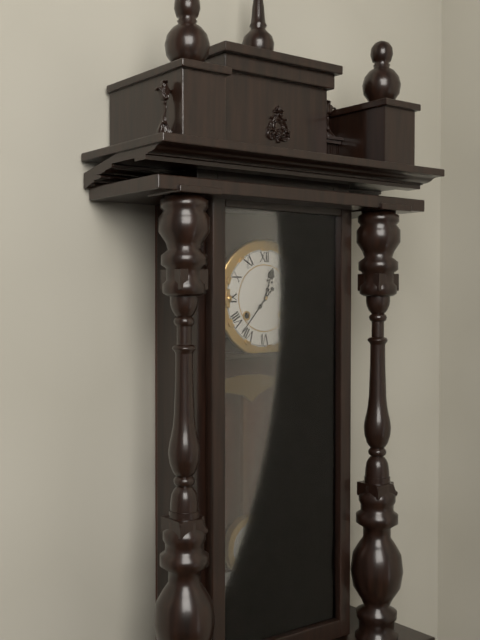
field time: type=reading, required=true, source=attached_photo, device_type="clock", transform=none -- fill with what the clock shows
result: 12:37
